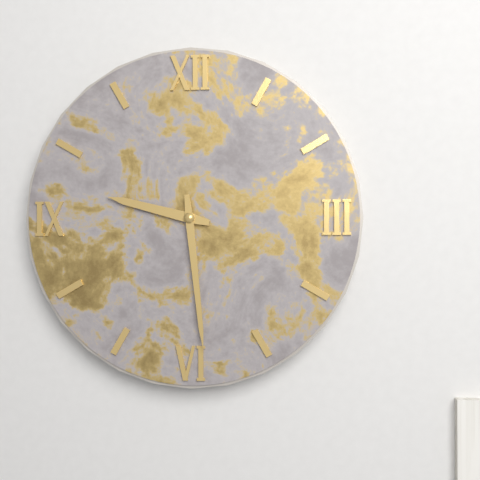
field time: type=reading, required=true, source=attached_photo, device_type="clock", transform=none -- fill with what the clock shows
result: 9:29
